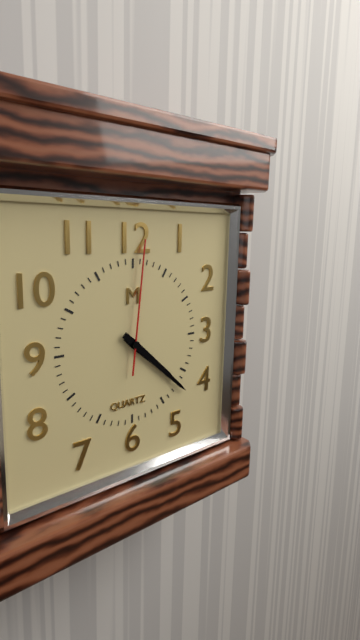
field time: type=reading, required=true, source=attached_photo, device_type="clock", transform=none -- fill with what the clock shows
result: 4:22:01
